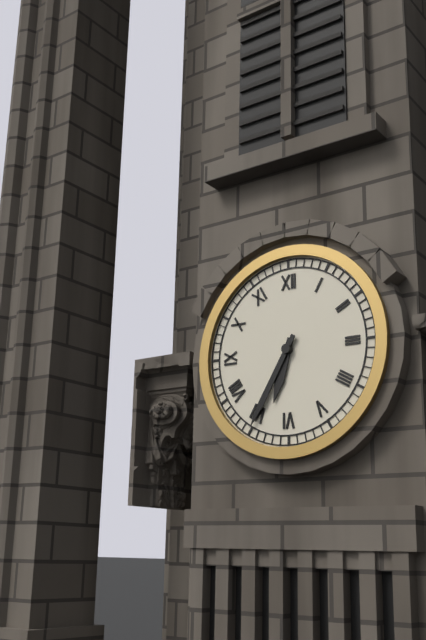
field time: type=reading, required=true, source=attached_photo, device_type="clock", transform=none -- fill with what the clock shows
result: 6:35
